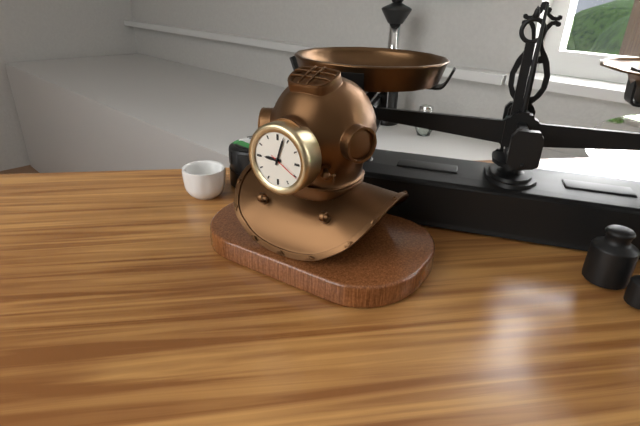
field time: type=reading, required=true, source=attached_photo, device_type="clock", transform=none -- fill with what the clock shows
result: 9:03
